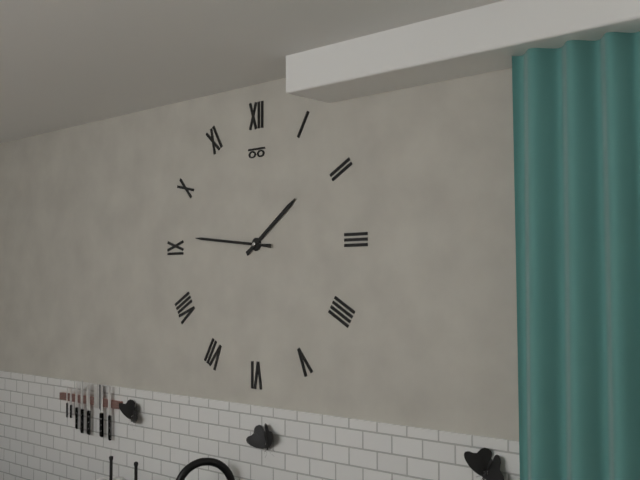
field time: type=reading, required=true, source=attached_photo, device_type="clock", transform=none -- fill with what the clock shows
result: 1:46
